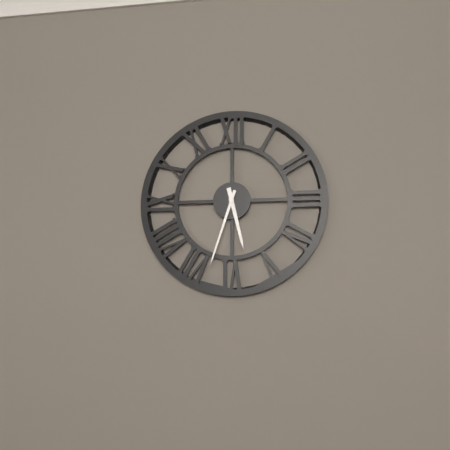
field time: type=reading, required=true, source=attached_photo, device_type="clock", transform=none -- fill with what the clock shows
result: 5:33
